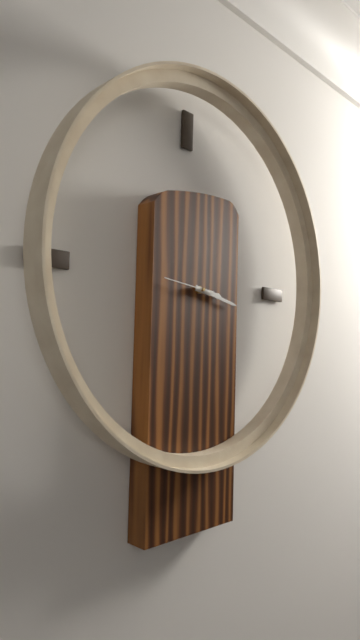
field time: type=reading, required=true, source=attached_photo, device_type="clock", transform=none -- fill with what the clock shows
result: 3:17
